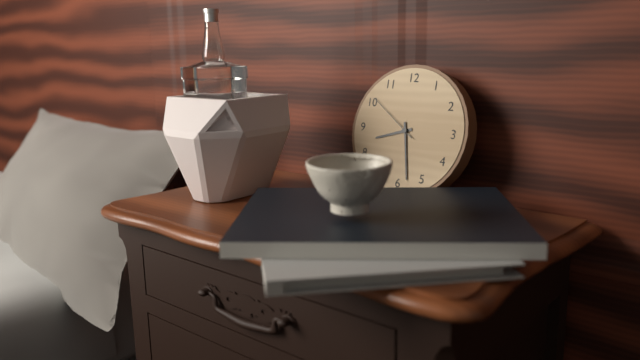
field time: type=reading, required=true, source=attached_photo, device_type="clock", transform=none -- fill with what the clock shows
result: 8:28:51
